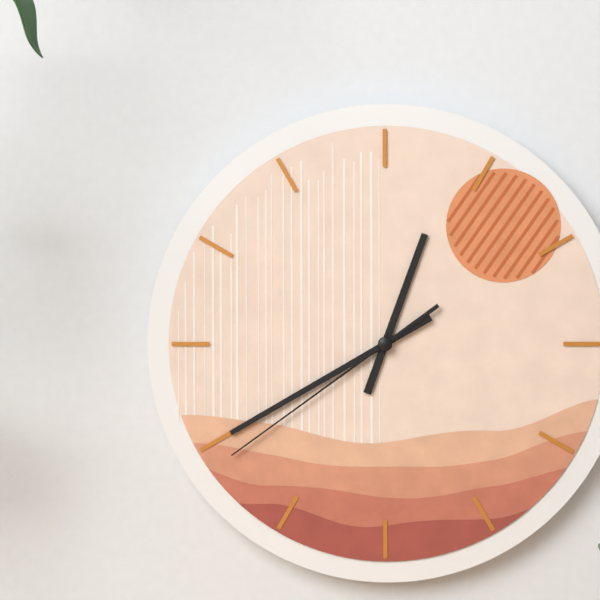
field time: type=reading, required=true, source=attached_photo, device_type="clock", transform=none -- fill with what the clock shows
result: 12:40:39
